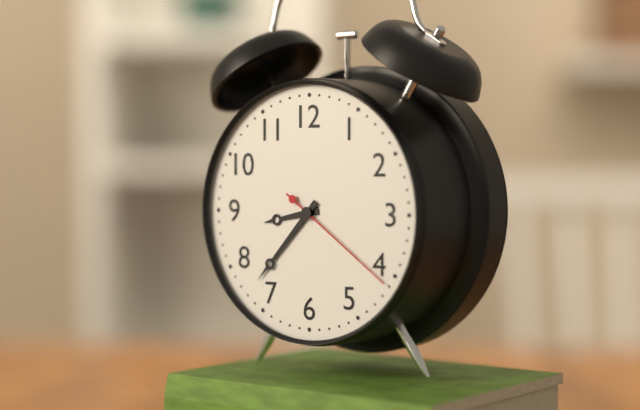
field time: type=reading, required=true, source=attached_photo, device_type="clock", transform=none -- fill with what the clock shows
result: 8:37:21
